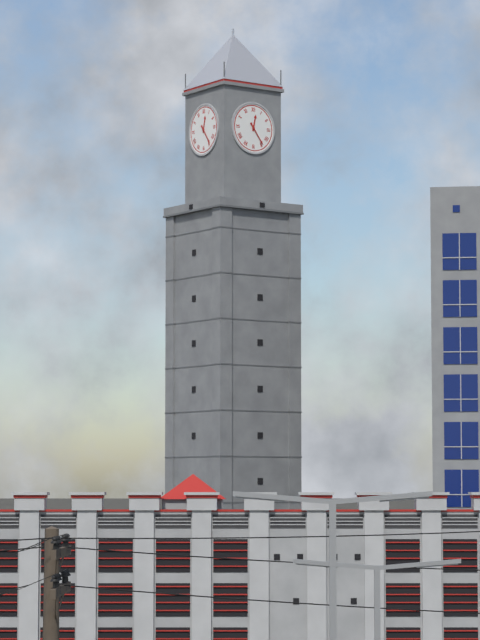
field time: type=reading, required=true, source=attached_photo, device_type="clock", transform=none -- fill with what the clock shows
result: 12:24
